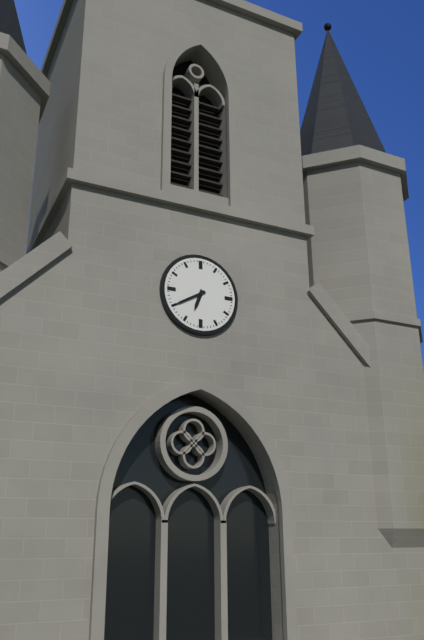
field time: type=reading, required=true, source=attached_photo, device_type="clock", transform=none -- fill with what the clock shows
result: 6:40
